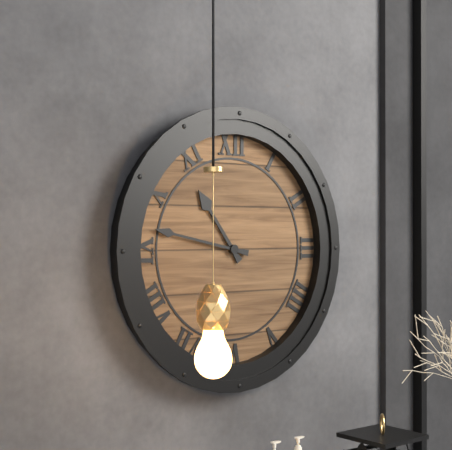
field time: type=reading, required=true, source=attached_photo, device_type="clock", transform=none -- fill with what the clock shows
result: 10:47
